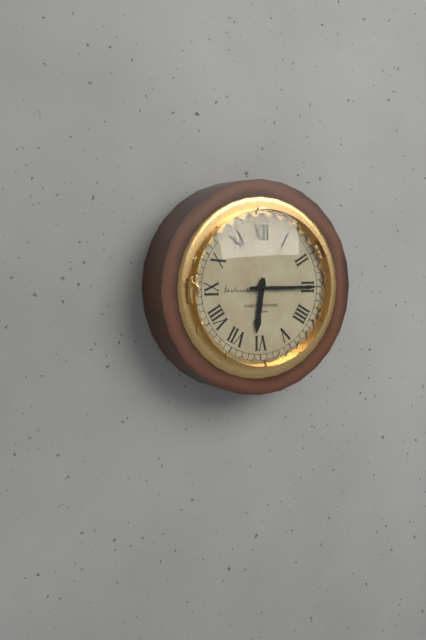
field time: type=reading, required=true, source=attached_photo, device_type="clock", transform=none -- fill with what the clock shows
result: 6:15
